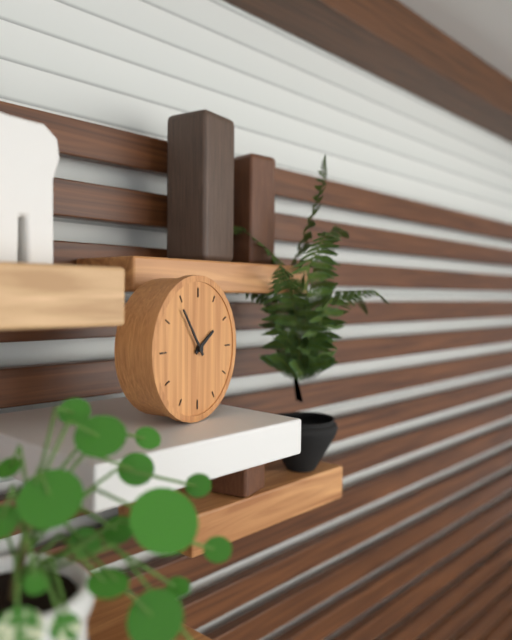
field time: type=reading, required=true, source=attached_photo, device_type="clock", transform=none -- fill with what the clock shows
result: 1:54
